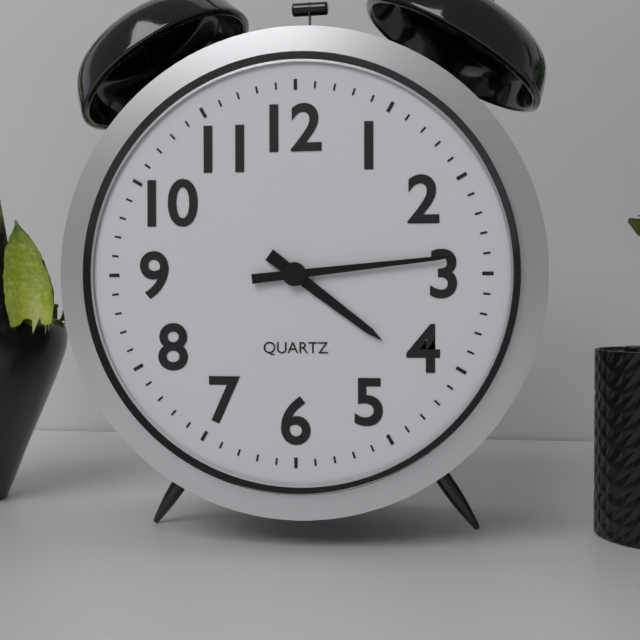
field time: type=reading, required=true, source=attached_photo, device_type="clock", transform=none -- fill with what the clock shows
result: 4:14
